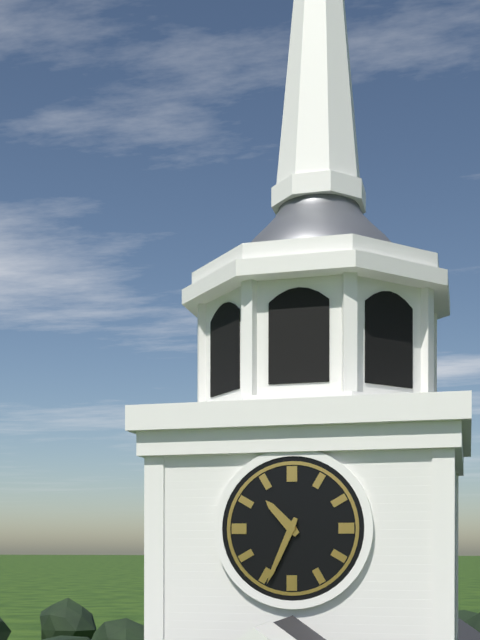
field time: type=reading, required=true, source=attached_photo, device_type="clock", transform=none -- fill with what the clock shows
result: 10:34
